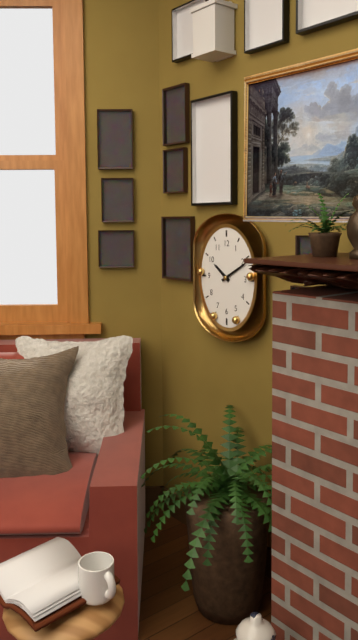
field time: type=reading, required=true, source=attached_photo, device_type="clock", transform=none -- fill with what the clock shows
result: 10:10
